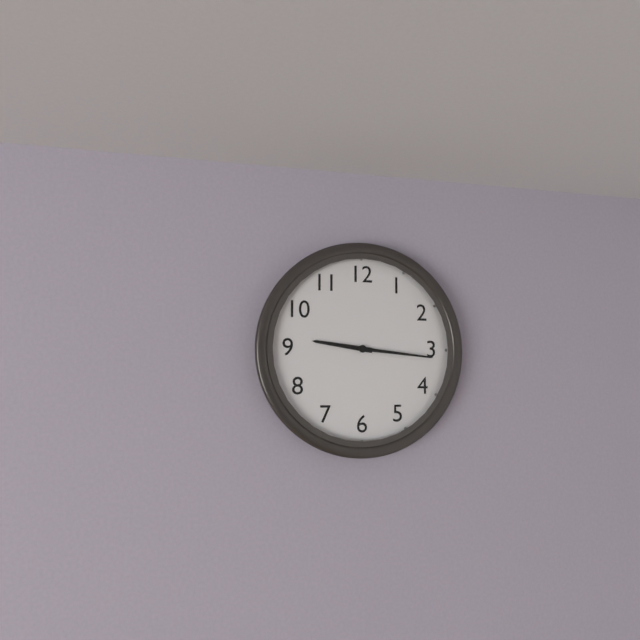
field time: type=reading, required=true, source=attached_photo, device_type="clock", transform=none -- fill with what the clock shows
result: 9:16
